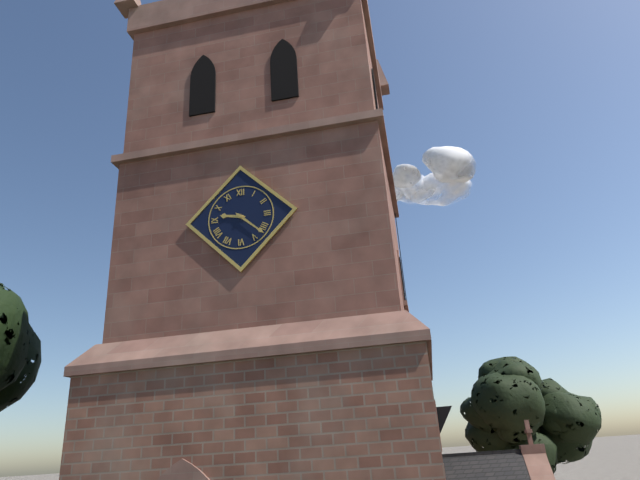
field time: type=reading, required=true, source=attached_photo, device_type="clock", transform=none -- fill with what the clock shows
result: 9:22
